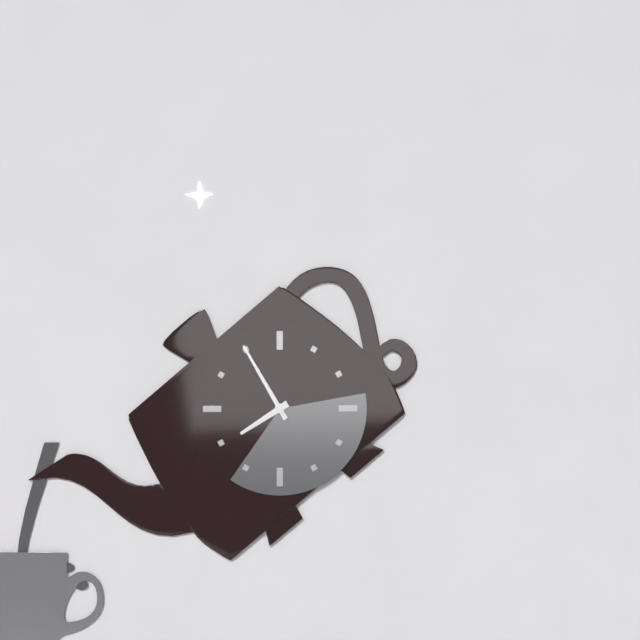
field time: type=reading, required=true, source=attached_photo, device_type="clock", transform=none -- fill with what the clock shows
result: 7:55
